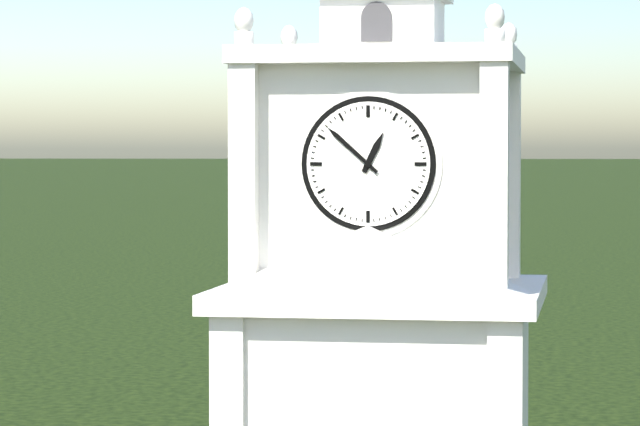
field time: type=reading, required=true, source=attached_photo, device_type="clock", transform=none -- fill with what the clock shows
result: 12:52
